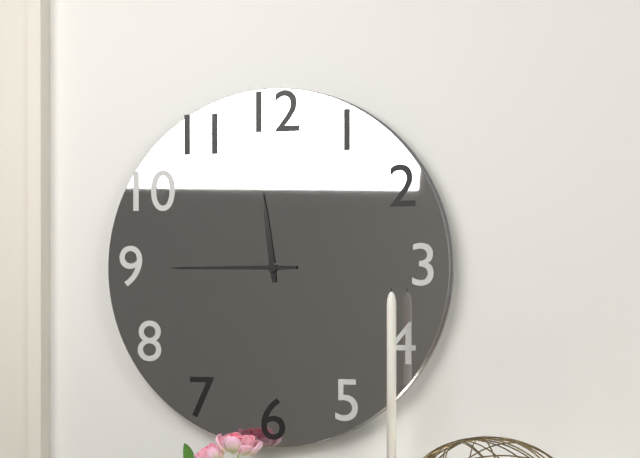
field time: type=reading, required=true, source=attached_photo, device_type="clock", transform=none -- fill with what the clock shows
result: 11:45
